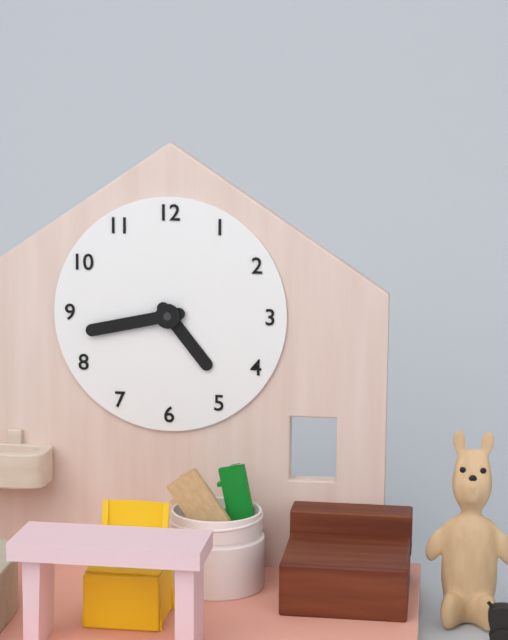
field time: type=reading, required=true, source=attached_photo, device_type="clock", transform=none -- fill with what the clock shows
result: 4:43
